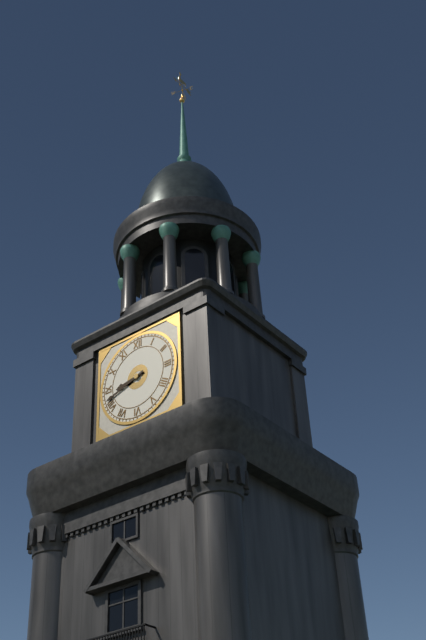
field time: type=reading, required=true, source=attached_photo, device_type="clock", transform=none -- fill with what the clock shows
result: 8:42
